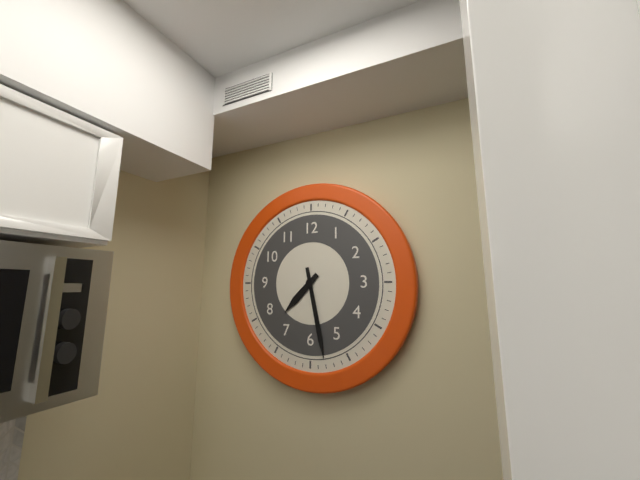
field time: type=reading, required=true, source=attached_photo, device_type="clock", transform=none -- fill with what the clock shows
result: 7:28
